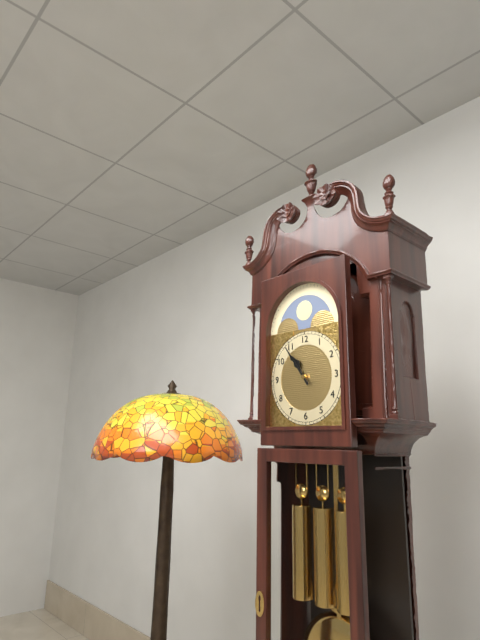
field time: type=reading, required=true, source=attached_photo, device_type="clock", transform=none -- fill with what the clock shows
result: 10:54
